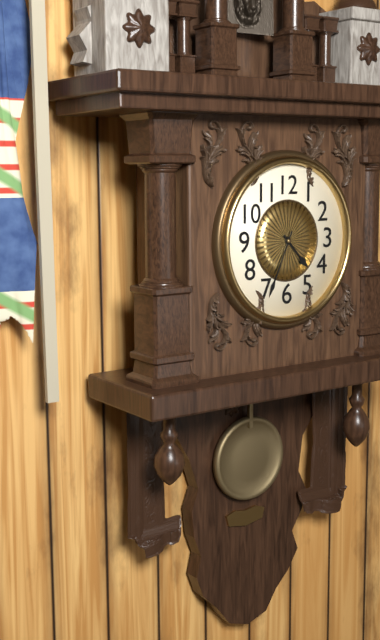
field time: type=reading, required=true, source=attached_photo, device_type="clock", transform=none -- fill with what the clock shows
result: 4:34
